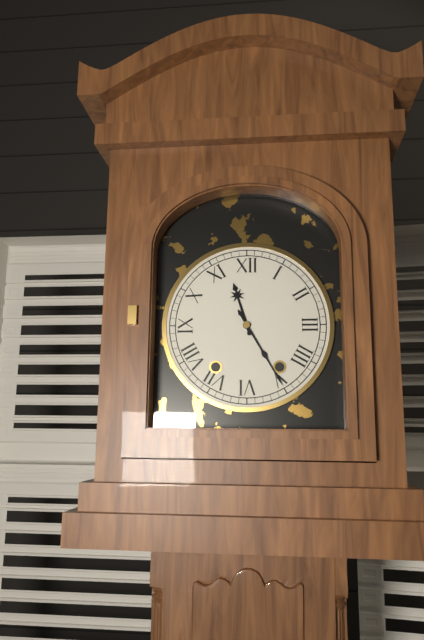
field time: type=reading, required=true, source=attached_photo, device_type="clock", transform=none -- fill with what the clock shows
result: 11:25
